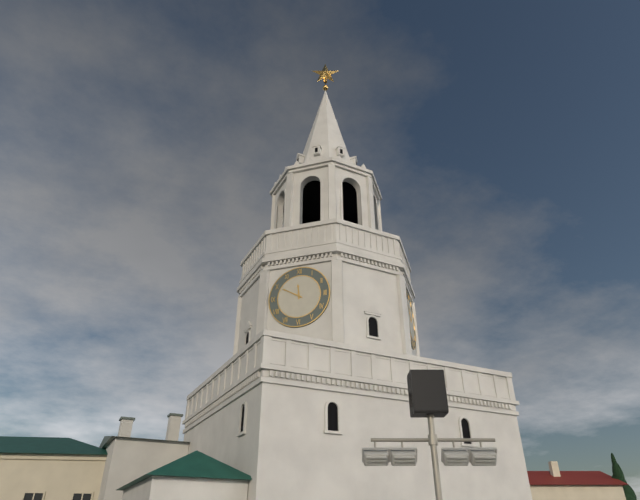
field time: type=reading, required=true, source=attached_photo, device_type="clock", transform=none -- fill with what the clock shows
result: 11:50
